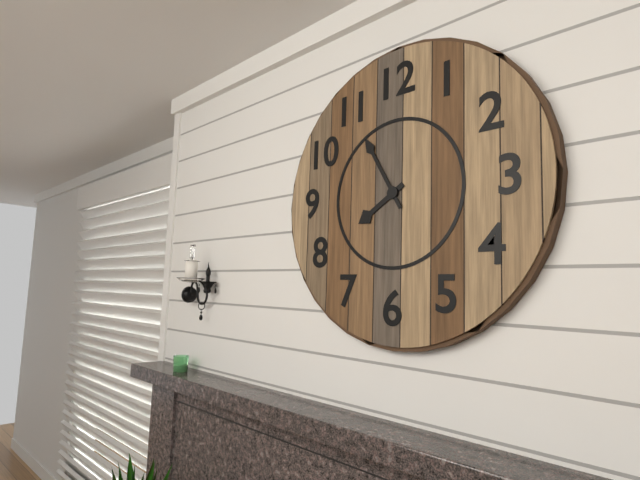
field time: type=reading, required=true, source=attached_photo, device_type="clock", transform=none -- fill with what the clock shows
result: 7:55
